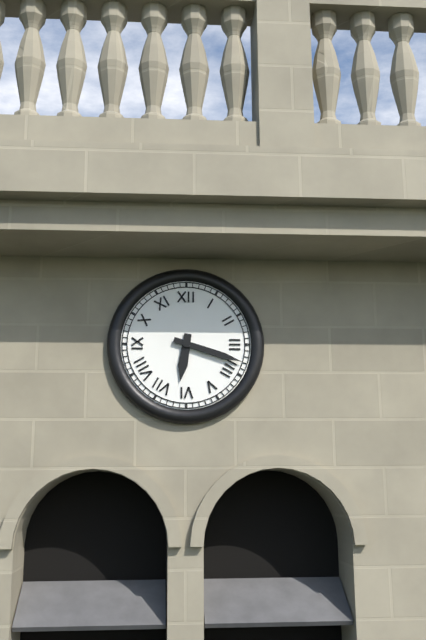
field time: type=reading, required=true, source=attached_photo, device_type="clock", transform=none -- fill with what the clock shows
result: 6:18
